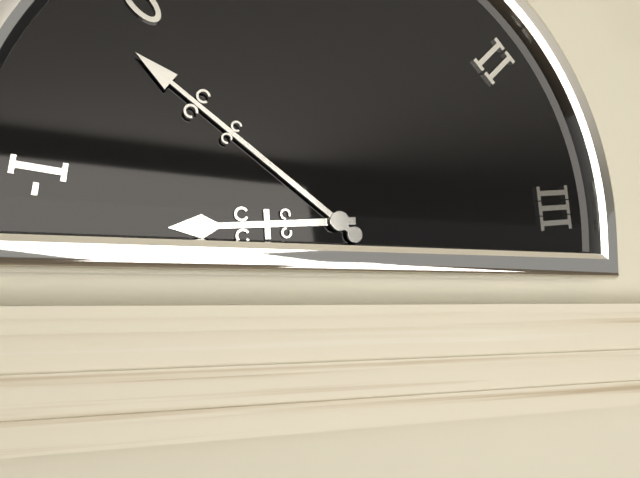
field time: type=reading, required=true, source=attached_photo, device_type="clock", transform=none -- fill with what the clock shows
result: 8:51
